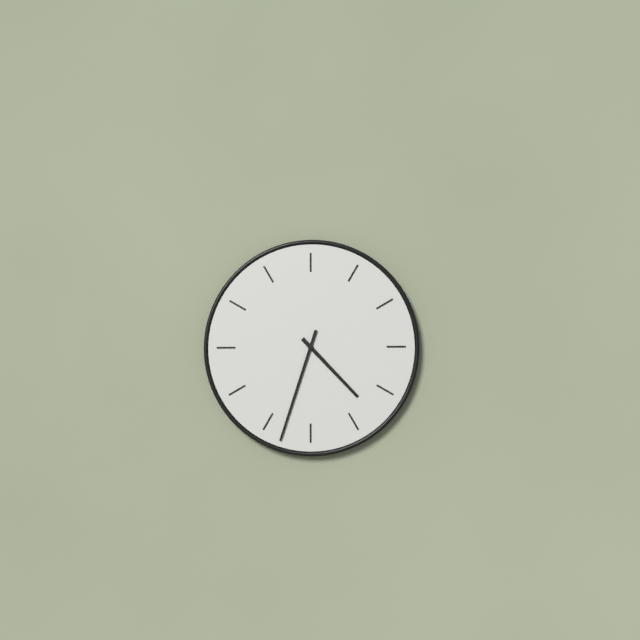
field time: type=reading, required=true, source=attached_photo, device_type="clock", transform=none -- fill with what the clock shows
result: 4:33
